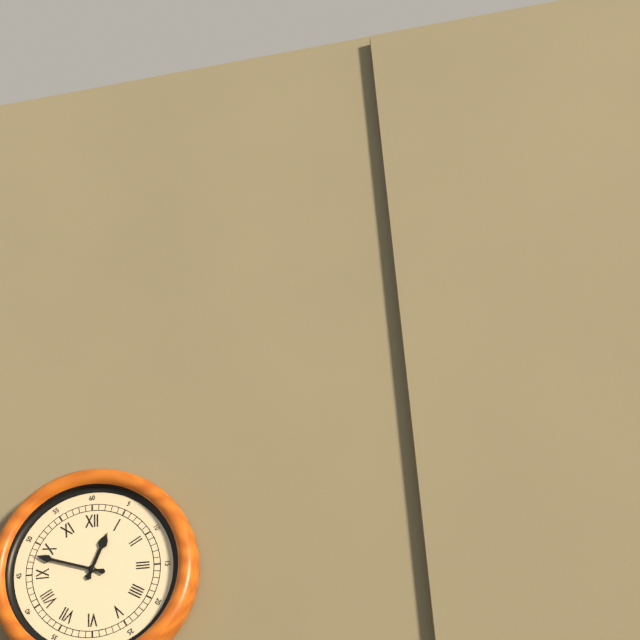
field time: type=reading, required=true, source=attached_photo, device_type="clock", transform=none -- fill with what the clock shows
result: 12:48
